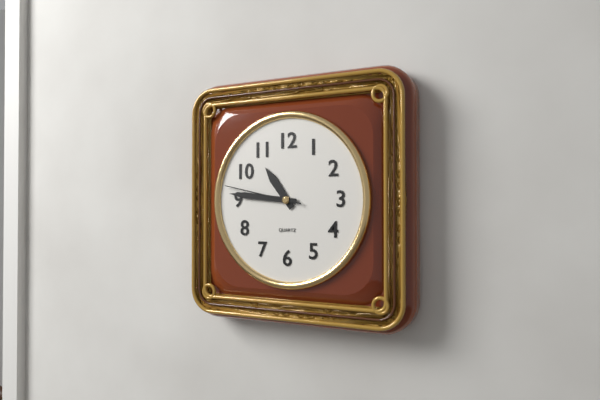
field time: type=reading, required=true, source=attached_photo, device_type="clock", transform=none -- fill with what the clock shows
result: 10:46:47
